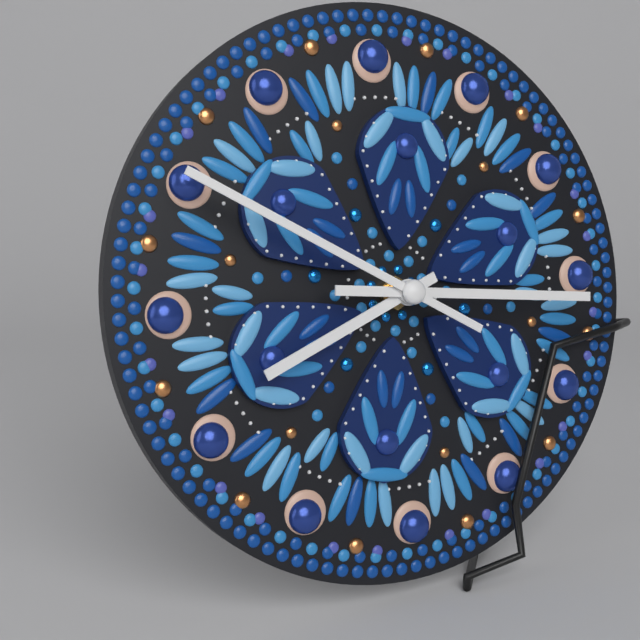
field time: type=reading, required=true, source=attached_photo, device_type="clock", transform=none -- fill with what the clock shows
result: 8:16:50
